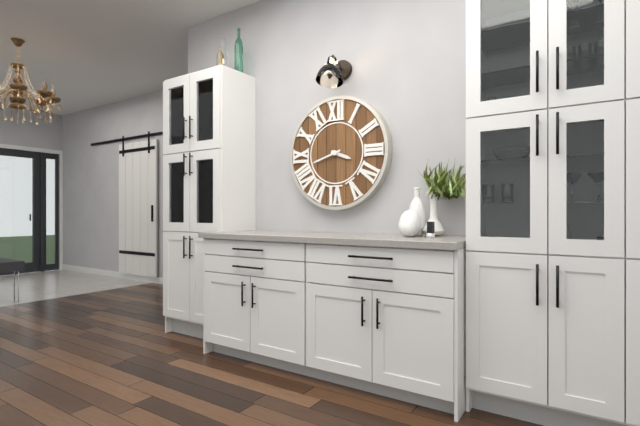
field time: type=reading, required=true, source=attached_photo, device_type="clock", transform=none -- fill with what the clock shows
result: 3:42
